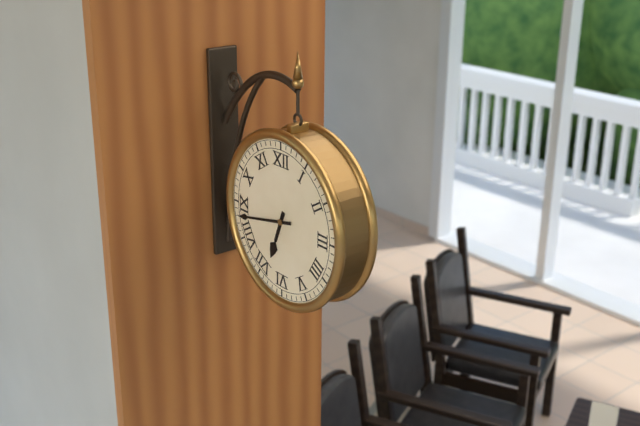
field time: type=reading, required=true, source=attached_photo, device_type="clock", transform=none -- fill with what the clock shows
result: 6:43
